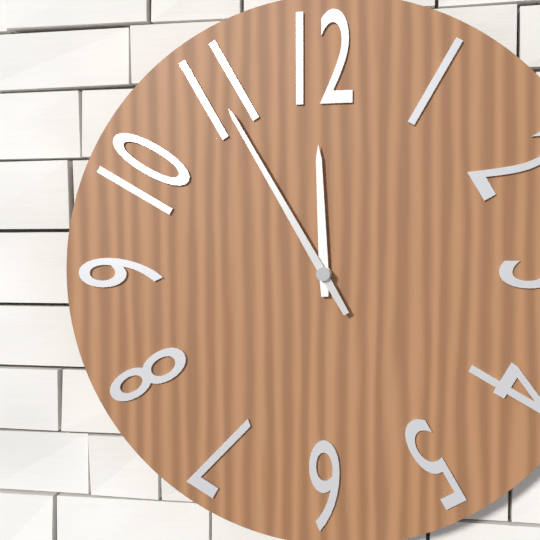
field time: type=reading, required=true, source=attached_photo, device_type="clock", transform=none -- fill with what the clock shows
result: 11:55
